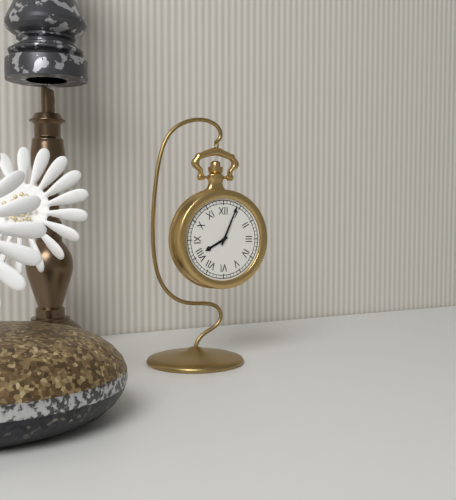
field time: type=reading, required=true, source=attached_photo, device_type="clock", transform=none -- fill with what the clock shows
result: 8:04
